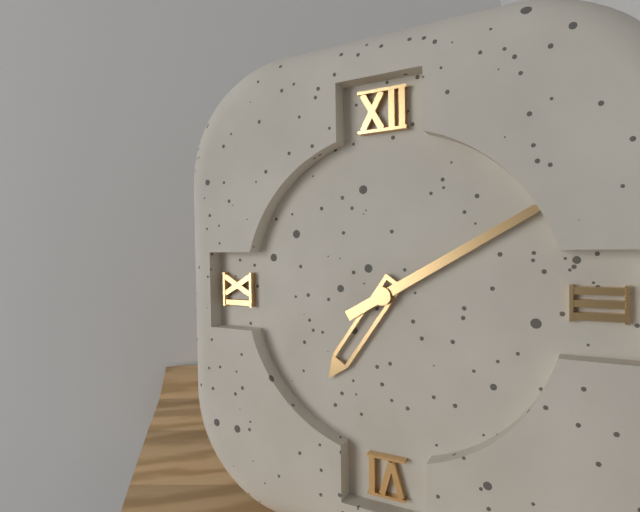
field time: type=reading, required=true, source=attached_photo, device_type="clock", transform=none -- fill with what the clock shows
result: 7:10
